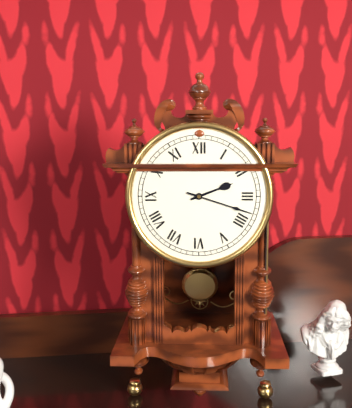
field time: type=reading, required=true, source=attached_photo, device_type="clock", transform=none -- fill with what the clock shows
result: 2:18
